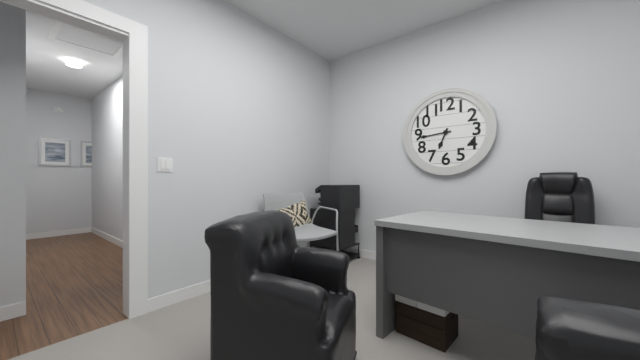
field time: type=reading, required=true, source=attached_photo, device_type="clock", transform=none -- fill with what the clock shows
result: 6:44
